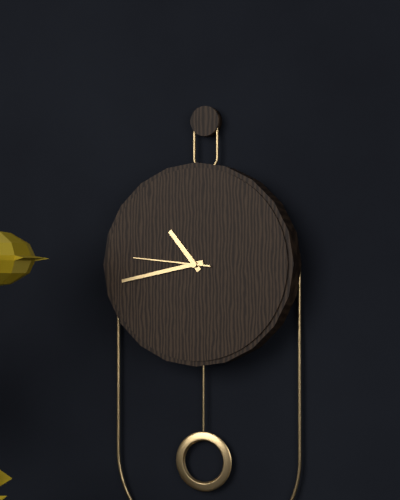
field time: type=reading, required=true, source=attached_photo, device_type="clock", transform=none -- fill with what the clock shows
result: 10:43:46
